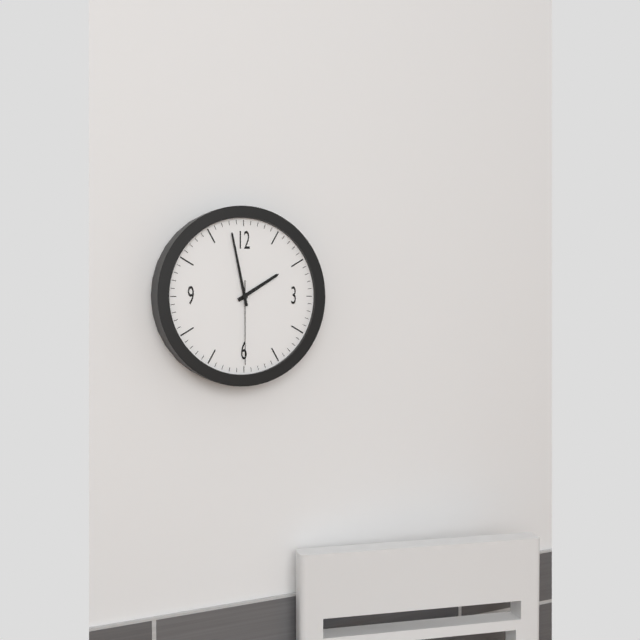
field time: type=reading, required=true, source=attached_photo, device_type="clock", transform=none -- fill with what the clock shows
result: 1:58:30
